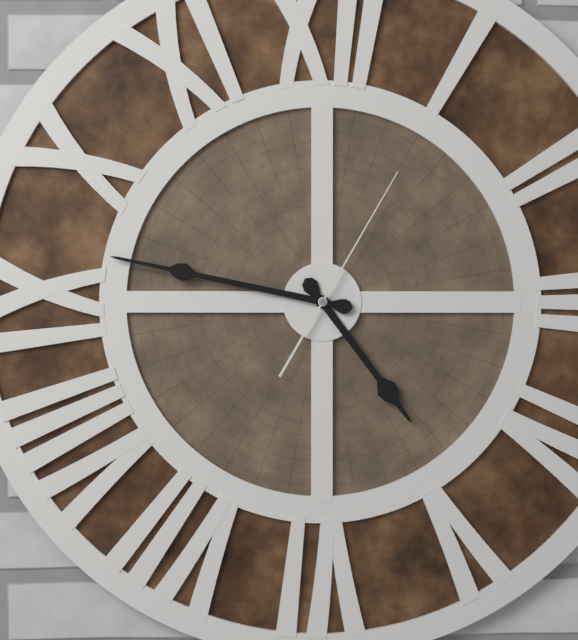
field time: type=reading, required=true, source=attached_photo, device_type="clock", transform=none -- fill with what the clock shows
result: 4:47:05
